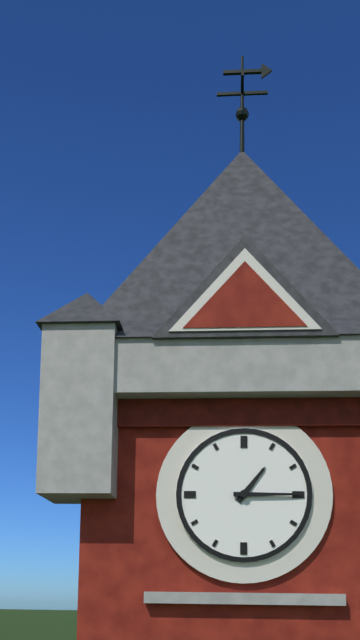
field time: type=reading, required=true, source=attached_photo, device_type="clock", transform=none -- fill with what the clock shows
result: 1:15
